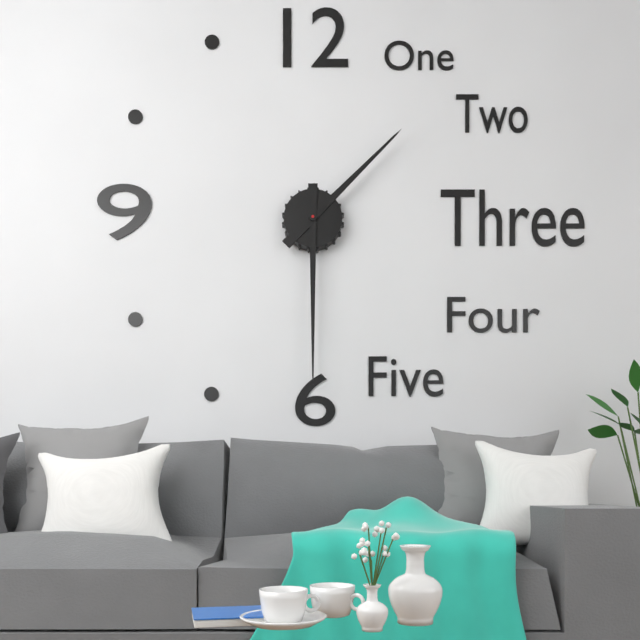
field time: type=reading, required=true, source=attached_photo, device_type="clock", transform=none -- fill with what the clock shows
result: 1:30
